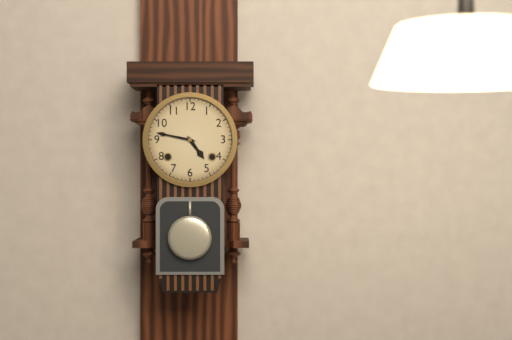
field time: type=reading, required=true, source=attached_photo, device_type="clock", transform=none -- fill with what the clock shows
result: 4:47
